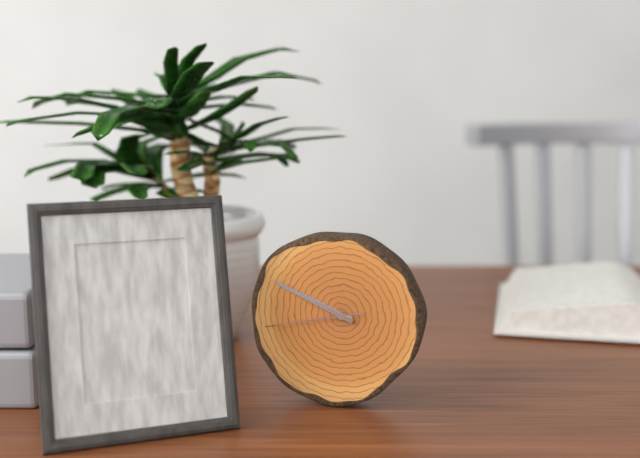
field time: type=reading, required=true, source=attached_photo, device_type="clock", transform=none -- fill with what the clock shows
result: 9:49:43
